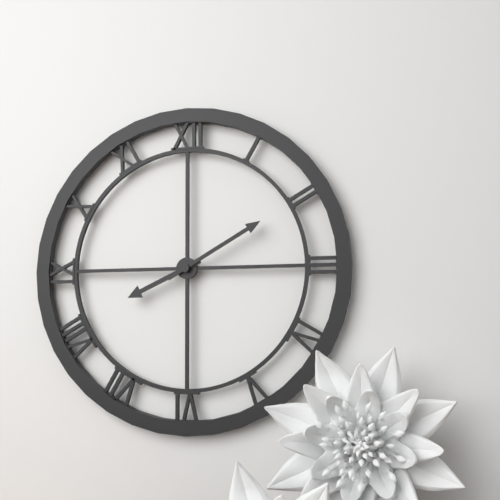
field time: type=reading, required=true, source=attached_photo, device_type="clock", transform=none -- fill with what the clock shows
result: 8:10
